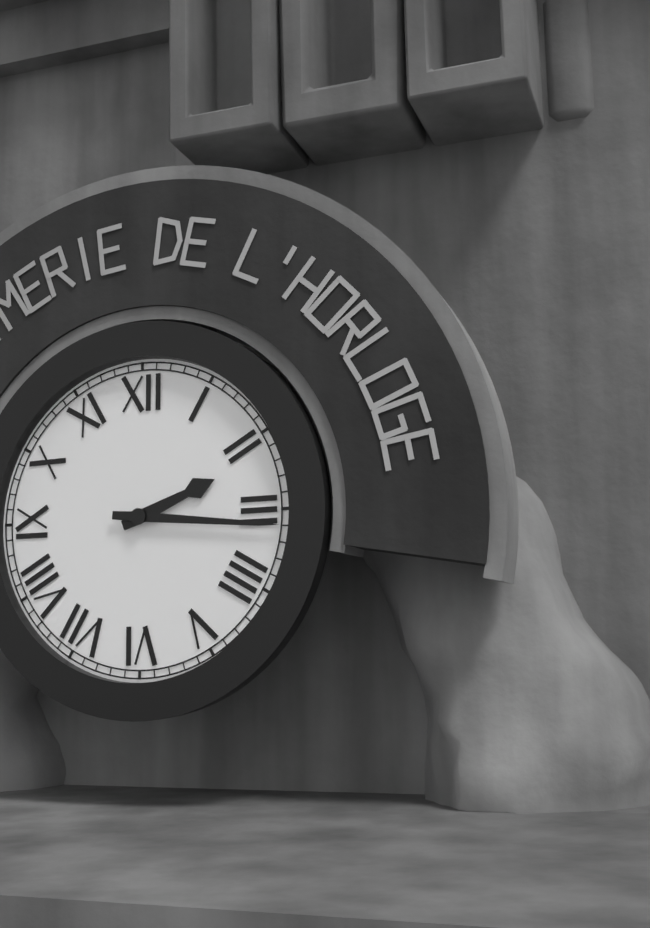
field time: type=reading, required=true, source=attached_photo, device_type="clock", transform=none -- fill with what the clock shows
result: 2:16
